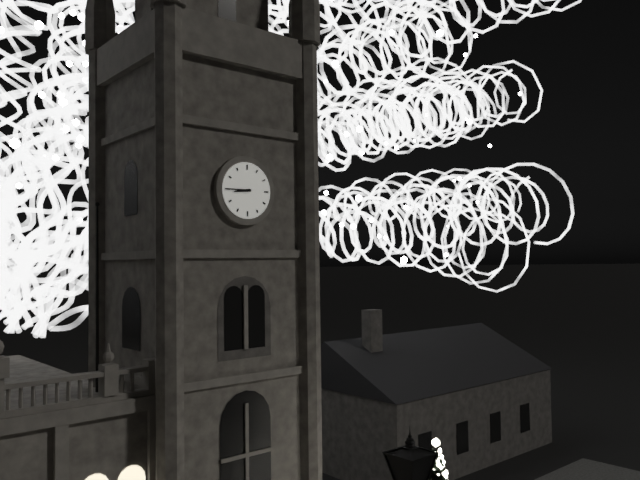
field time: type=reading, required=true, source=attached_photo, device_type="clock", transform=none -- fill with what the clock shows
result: 8:45
